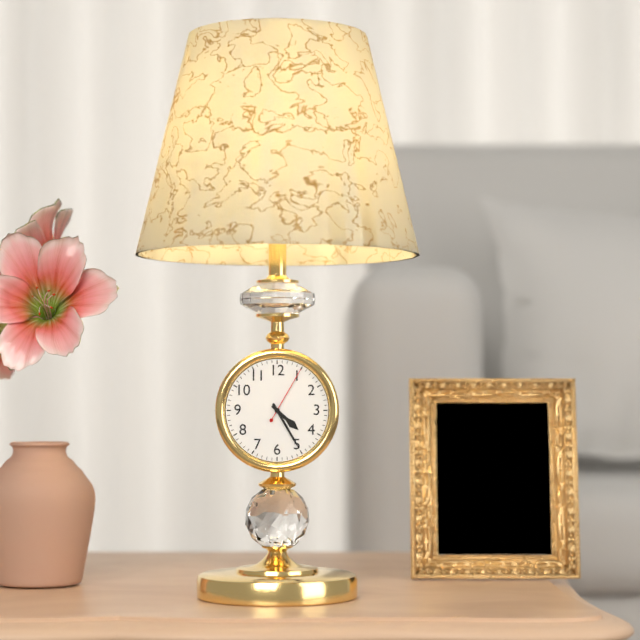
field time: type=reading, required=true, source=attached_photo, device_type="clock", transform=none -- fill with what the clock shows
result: 4:25:05
